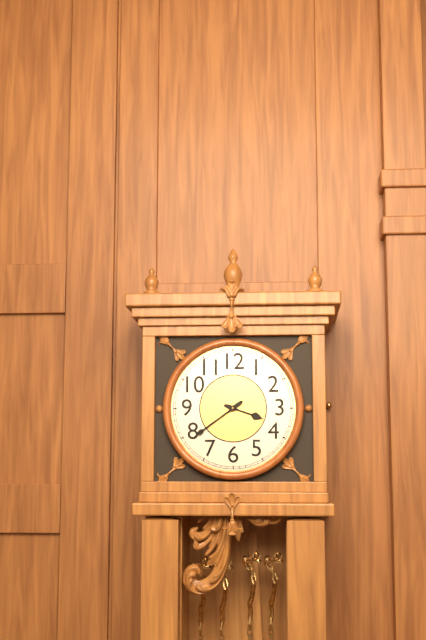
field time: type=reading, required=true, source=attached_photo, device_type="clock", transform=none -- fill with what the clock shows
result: 3:39
